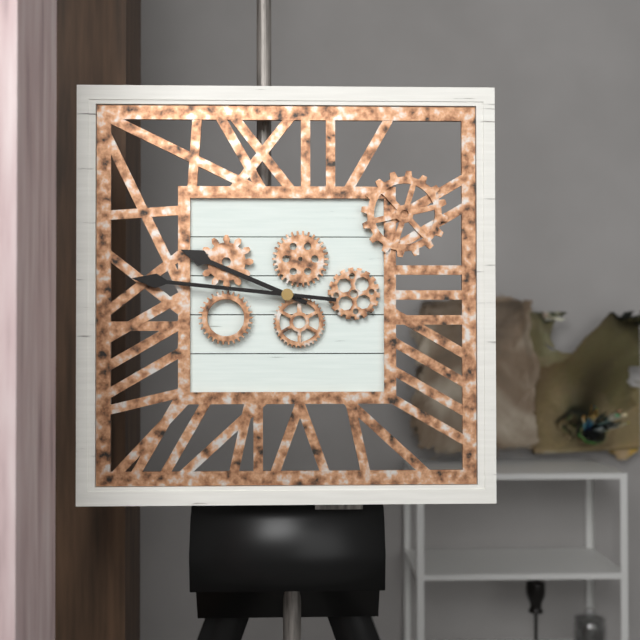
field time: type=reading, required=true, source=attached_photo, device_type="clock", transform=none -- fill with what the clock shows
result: 9:46
